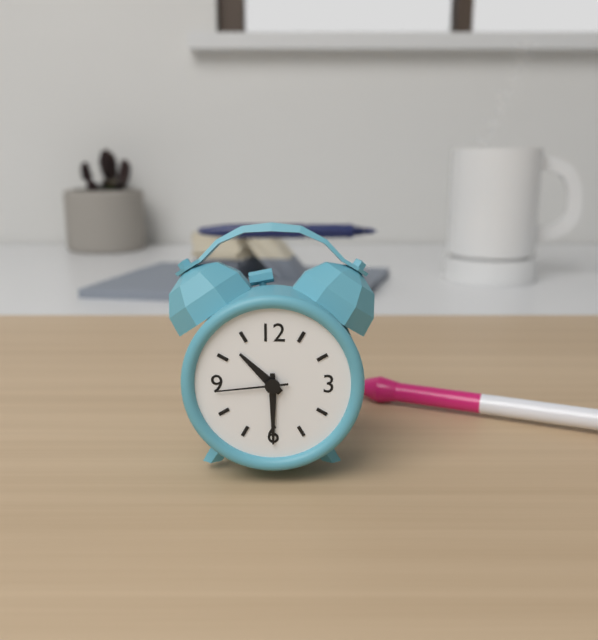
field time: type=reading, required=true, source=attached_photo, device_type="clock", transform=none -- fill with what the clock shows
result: 10:30:44
